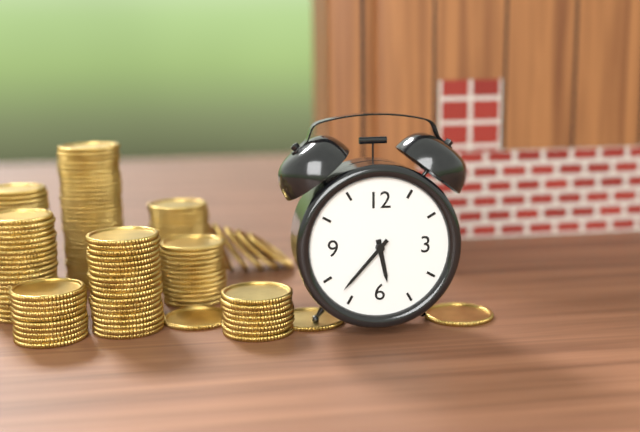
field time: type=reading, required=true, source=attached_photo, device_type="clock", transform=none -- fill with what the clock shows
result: 5:37
